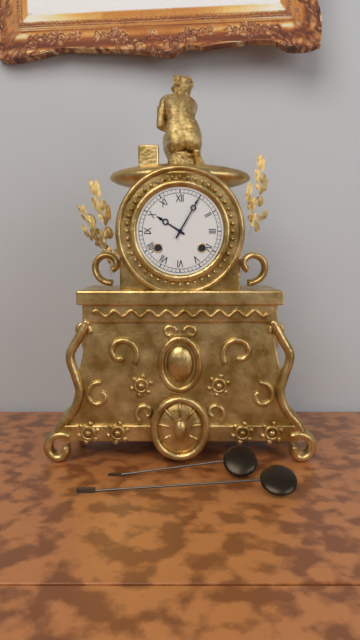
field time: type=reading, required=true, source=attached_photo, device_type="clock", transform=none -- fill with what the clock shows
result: 10:05
